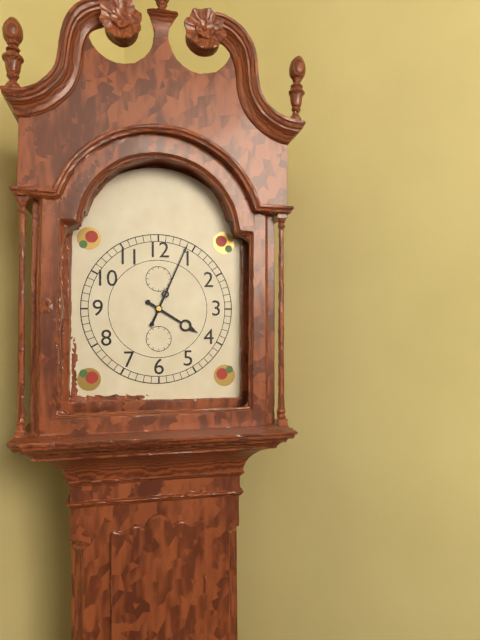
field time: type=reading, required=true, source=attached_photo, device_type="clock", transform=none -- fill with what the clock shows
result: 4:04
